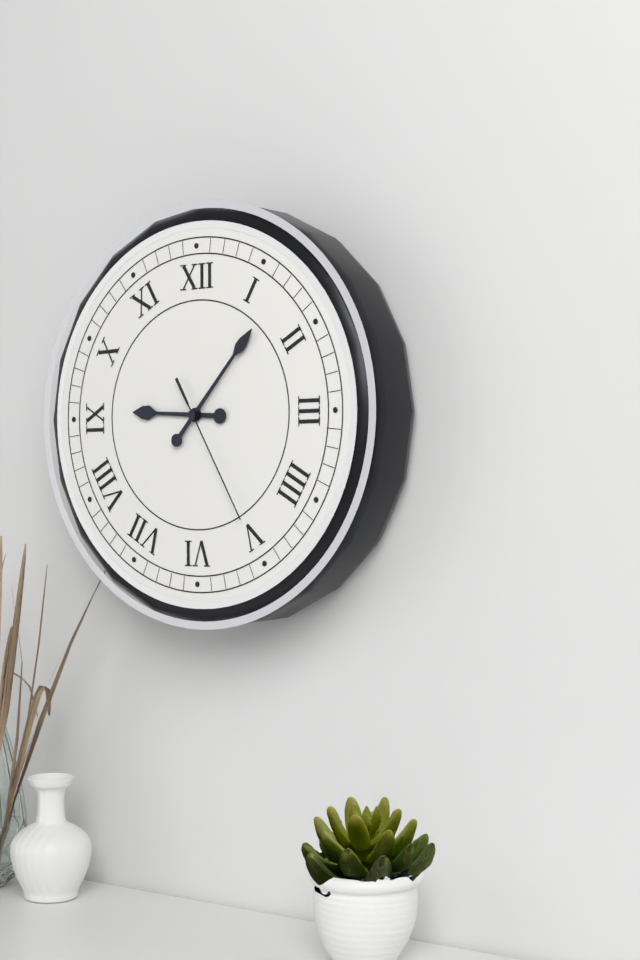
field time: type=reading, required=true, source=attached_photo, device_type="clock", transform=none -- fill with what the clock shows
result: 9:07:25
